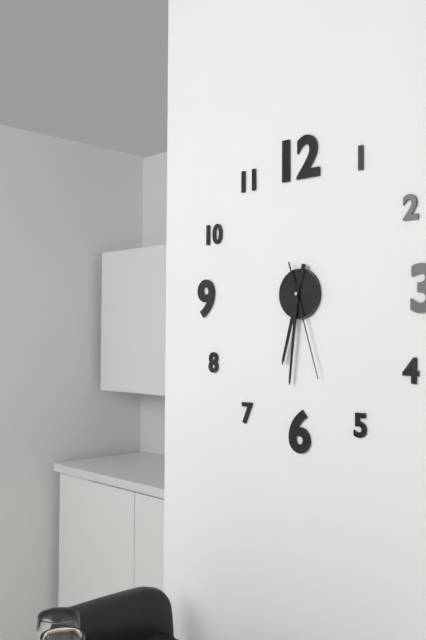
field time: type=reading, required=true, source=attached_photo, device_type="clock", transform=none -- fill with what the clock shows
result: 6:31:27
